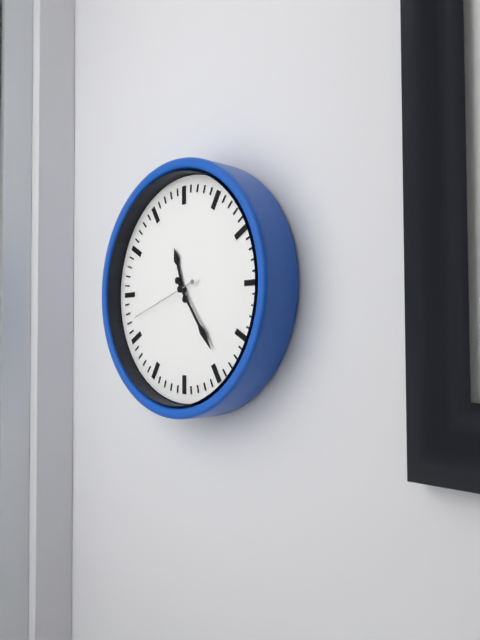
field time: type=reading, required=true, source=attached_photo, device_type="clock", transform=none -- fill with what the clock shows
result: 11:24:42
